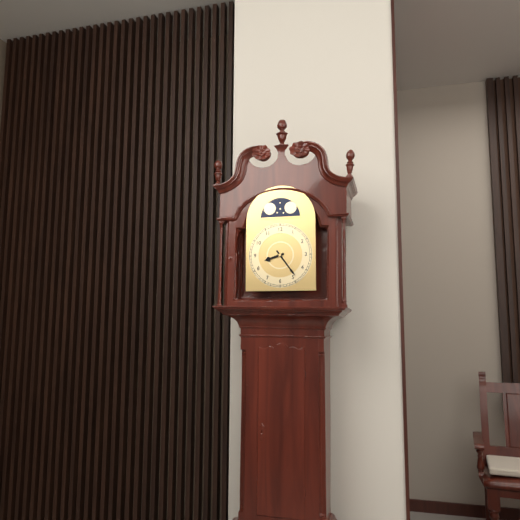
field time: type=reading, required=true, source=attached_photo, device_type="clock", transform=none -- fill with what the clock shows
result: 8:24
